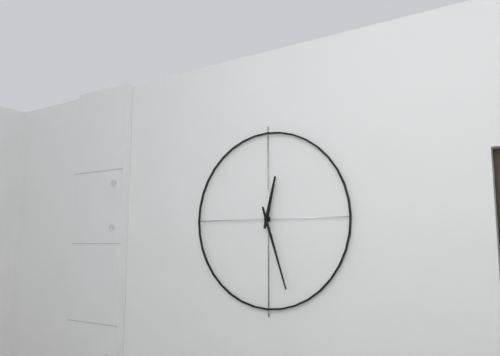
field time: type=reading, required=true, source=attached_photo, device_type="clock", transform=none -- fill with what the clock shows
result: 12:27
